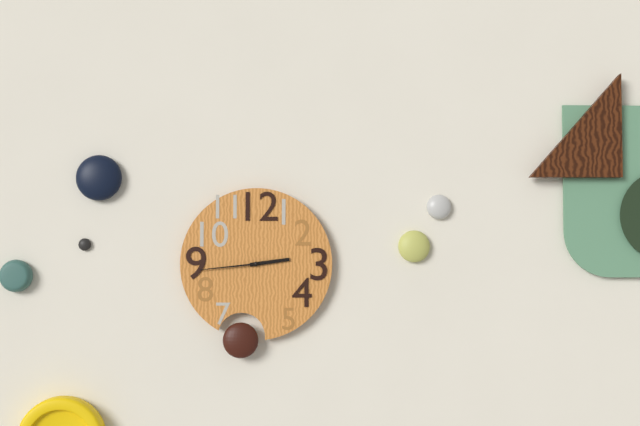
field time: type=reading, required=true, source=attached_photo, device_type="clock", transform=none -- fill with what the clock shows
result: 2:44
